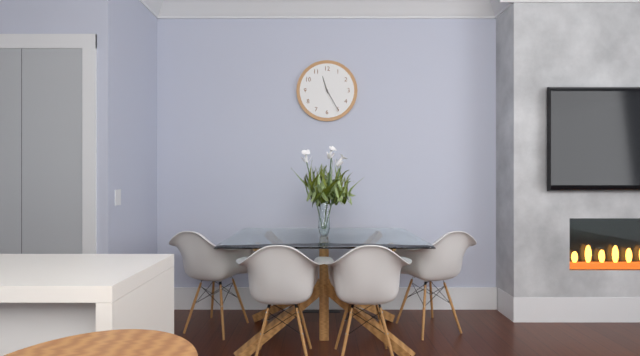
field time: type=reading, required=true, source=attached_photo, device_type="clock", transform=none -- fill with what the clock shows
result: 11:25
